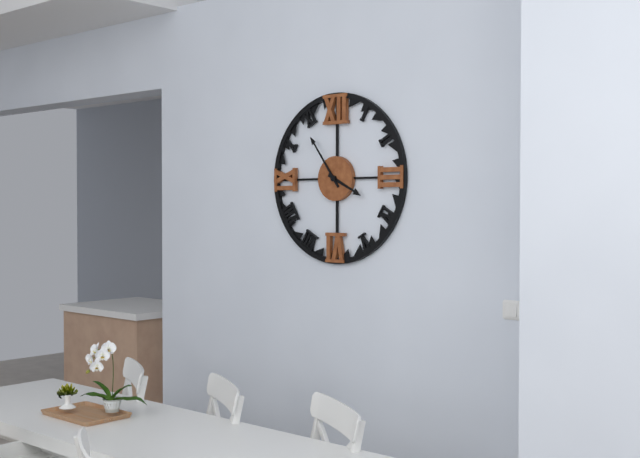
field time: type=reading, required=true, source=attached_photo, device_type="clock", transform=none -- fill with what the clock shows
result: 3:54
